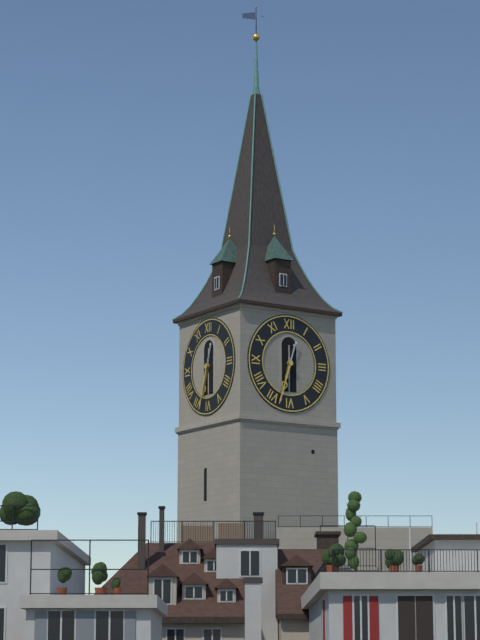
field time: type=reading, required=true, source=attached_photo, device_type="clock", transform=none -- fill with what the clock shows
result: 6:33
